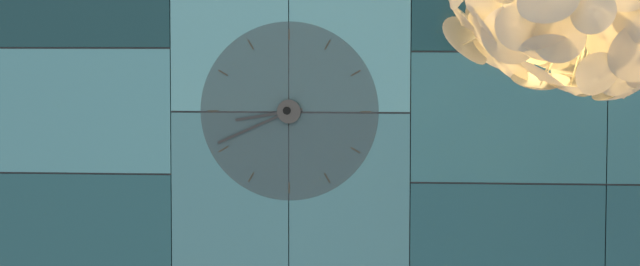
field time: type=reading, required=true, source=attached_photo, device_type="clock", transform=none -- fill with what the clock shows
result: 8:41
